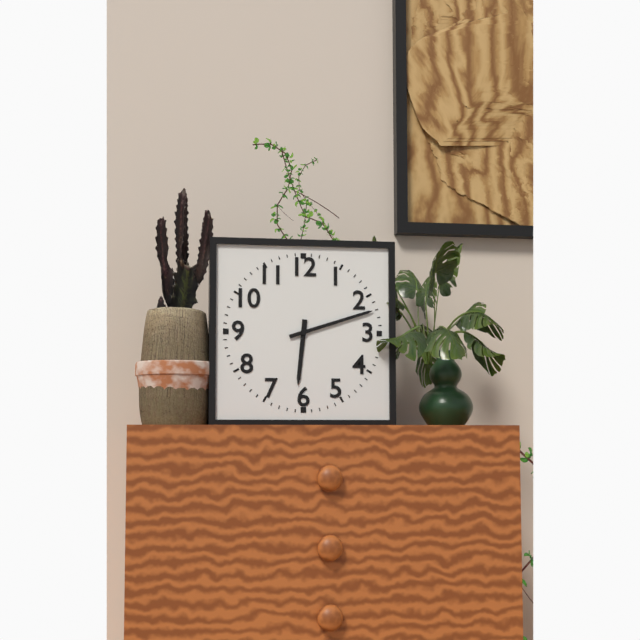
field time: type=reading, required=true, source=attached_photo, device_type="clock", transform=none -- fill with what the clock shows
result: 6:12
